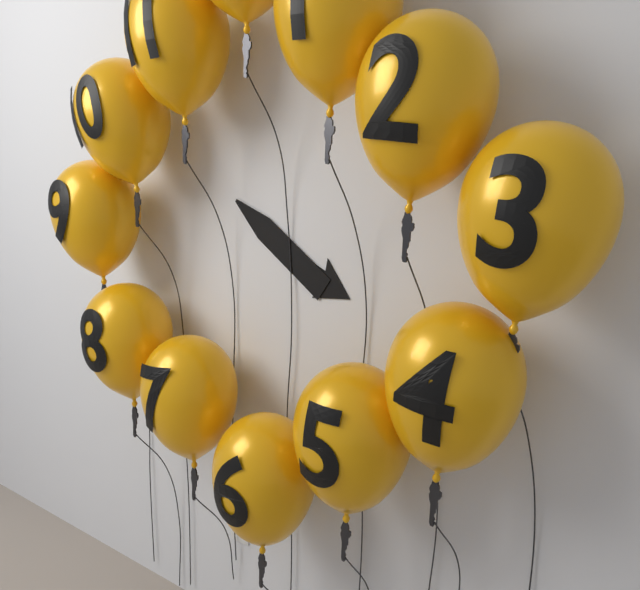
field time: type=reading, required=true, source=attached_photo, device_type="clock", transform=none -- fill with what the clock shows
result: 3:51
